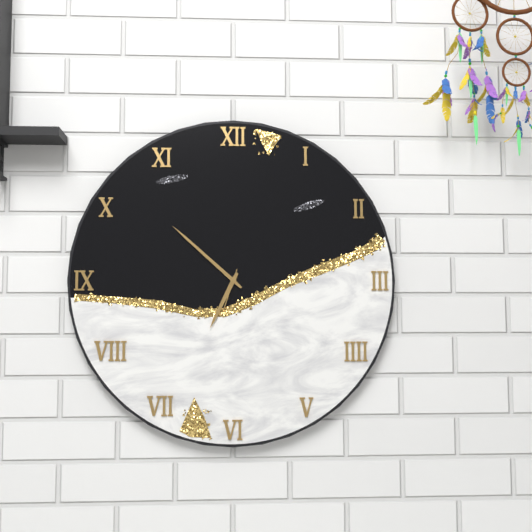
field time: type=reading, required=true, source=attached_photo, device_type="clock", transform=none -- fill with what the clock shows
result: 6:52
